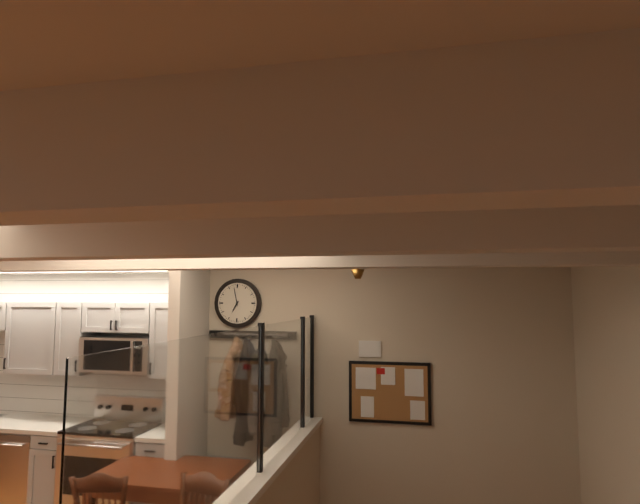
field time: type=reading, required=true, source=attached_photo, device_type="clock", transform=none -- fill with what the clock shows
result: 6:58
